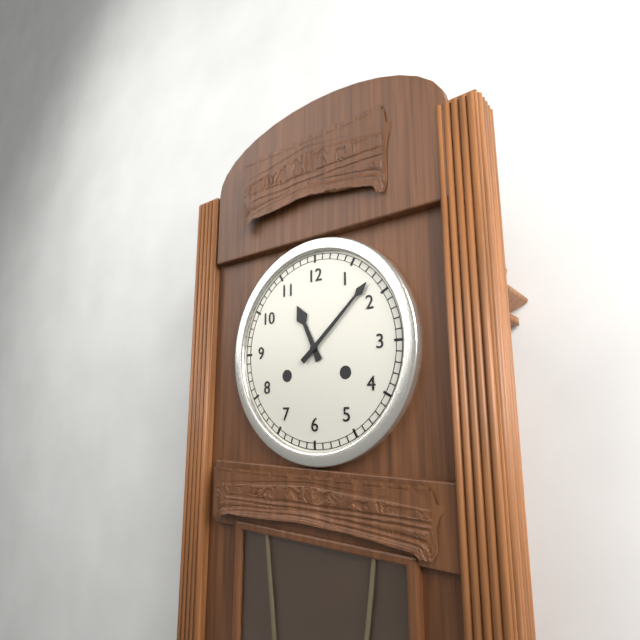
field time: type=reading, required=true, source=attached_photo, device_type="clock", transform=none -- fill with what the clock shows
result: 11:08
